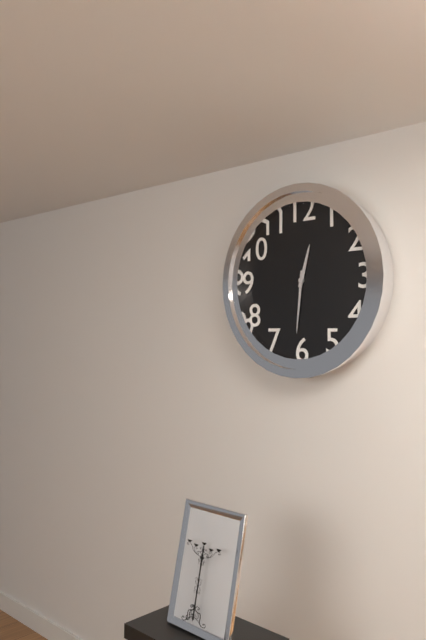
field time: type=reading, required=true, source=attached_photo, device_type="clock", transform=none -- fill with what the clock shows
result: 12:31
